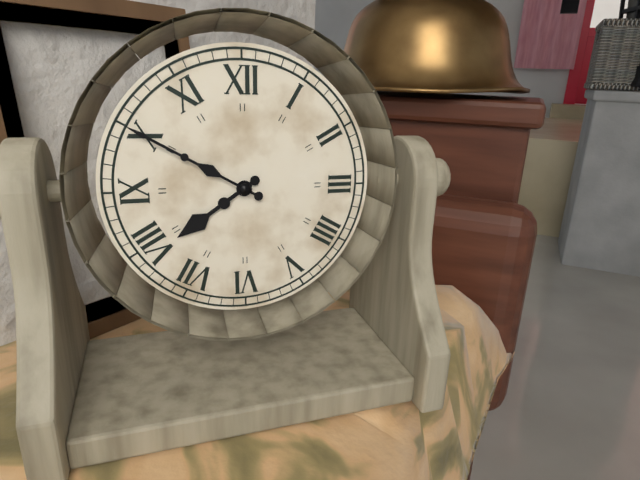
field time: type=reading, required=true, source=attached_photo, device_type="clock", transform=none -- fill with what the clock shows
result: 7:50
